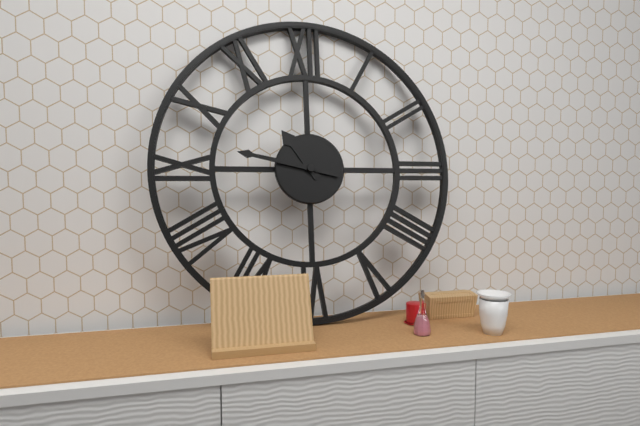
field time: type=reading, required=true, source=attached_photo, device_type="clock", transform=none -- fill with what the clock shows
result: 10:47
